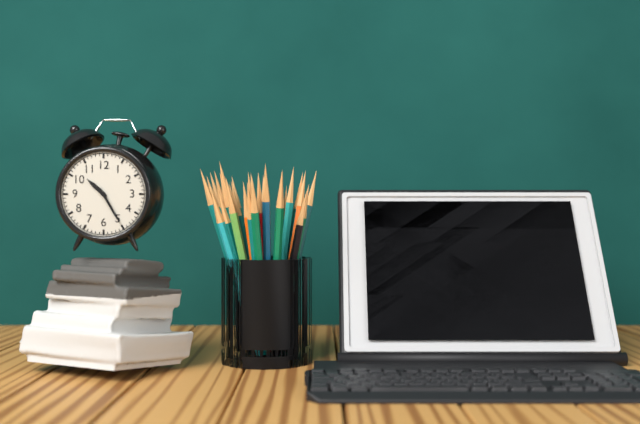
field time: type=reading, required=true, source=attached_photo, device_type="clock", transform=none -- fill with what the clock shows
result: 10:25
